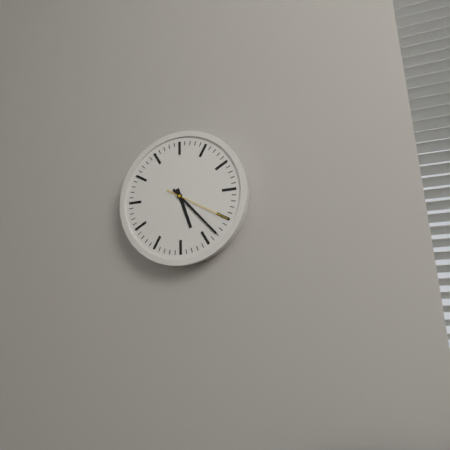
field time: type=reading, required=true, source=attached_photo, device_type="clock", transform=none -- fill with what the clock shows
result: 5:23:20
